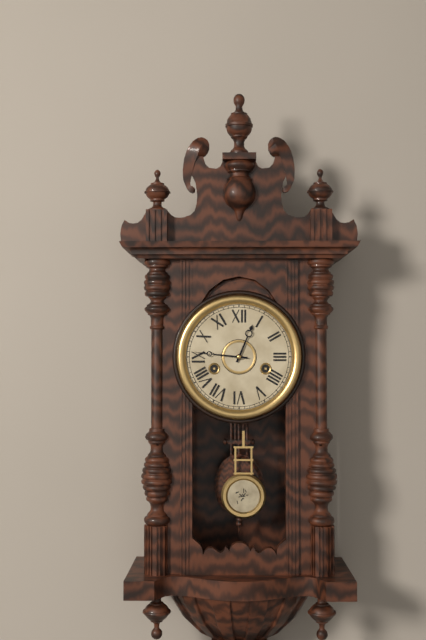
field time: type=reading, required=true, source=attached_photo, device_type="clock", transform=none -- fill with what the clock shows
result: 12:46
